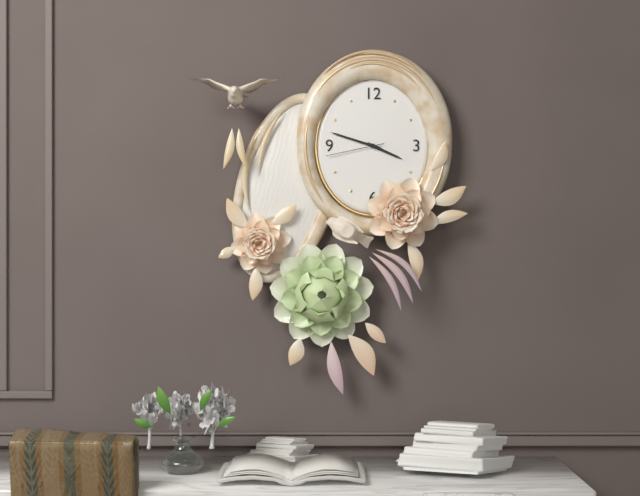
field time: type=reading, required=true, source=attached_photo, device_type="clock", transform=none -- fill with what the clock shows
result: 3:48:43
